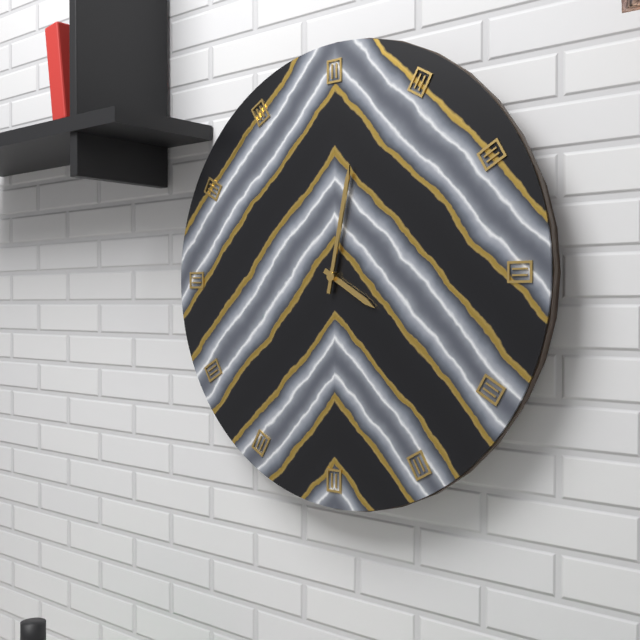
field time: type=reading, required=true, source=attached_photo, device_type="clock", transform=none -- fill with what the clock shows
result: 4:02
